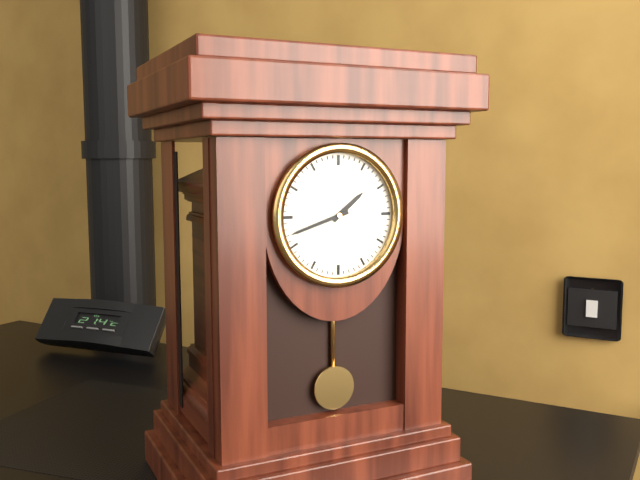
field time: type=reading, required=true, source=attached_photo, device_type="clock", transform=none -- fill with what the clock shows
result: 1:42
